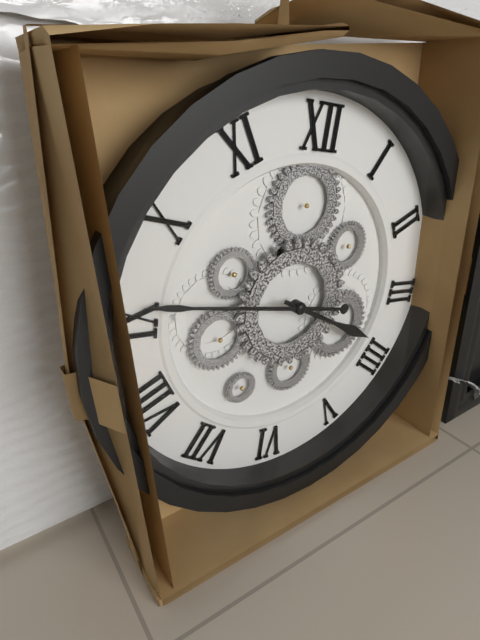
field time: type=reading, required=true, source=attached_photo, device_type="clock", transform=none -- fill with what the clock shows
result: 3:46
